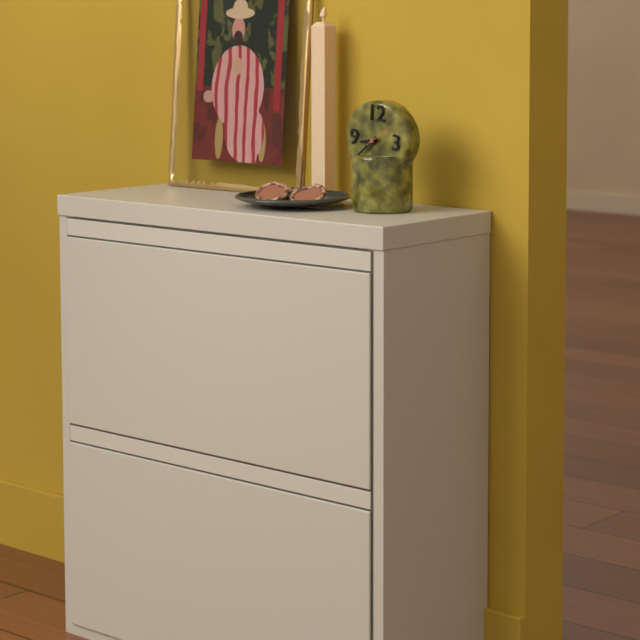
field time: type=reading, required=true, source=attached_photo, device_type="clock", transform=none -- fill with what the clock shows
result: 8:38
